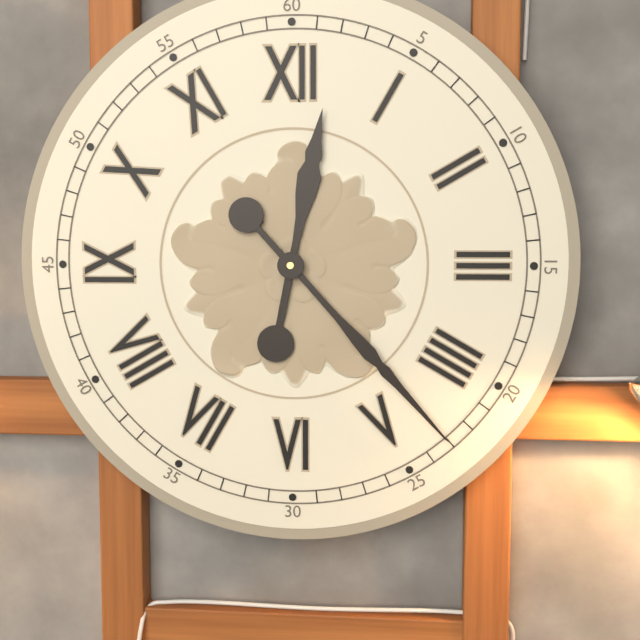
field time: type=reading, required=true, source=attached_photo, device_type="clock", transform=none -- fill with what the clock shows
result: 12:23
